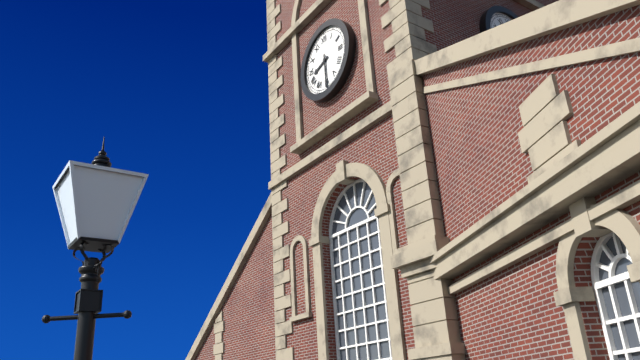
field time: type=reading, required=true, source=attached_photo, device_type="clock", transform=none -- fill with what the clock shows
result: 8:30
